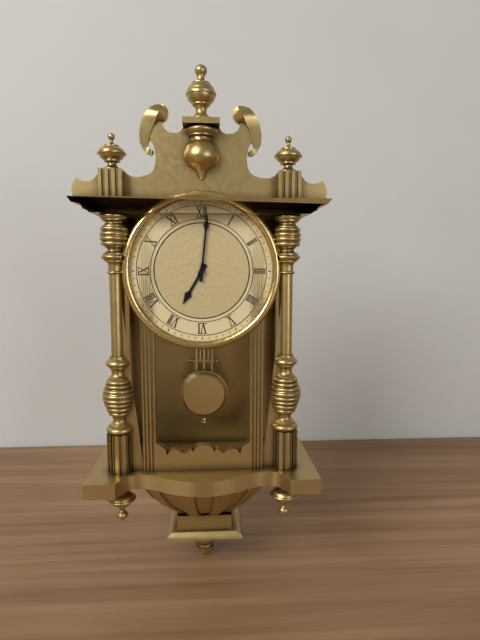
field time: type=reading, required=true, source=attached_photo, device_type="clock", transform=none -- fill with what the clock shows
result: 7:01
